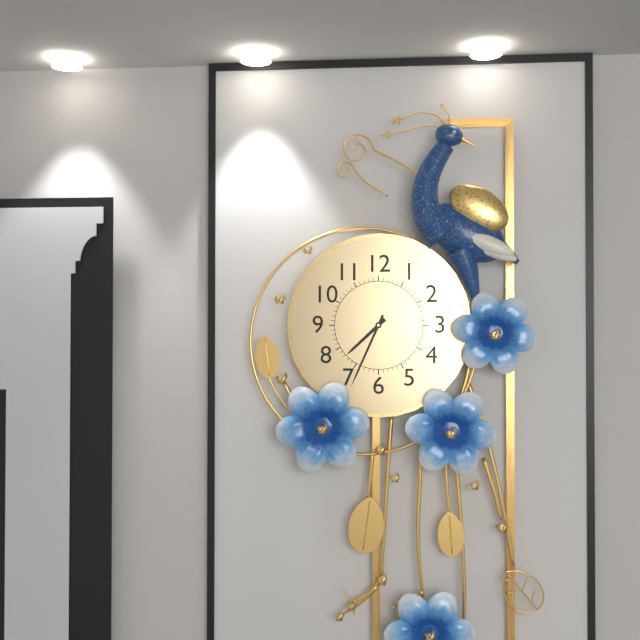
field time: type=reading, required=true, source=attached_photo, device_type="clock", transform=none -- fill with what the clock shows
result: 7:34
